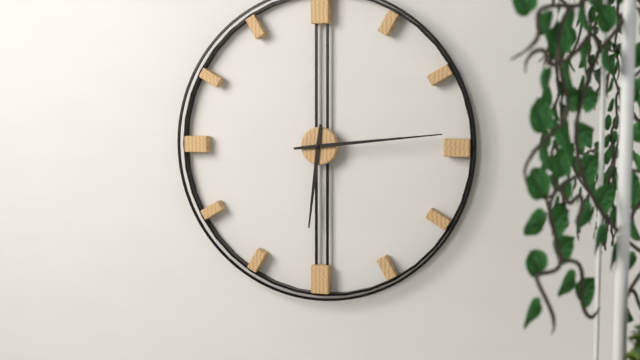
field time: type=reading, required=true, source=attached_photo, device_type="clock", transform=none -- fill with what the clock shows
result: 6:14
